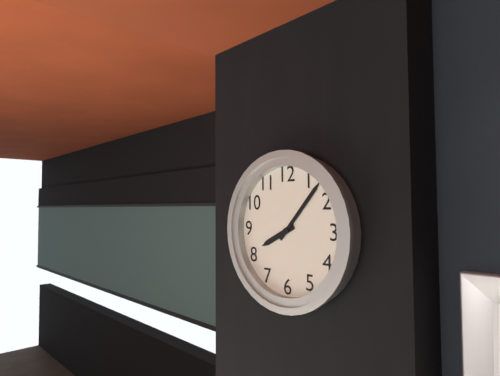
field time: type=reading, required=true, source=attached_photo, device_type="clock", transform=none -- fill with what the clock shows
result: 8:07
